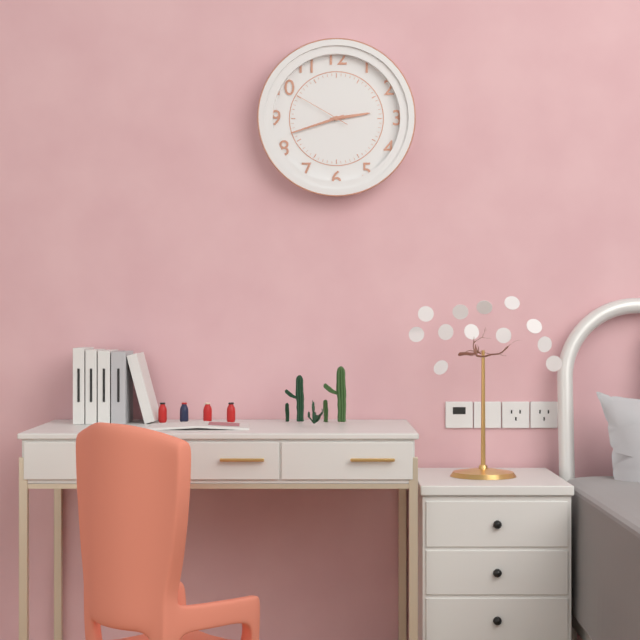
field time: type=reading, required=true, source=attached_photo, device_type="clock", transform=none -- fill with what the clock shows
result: 2:42:50
